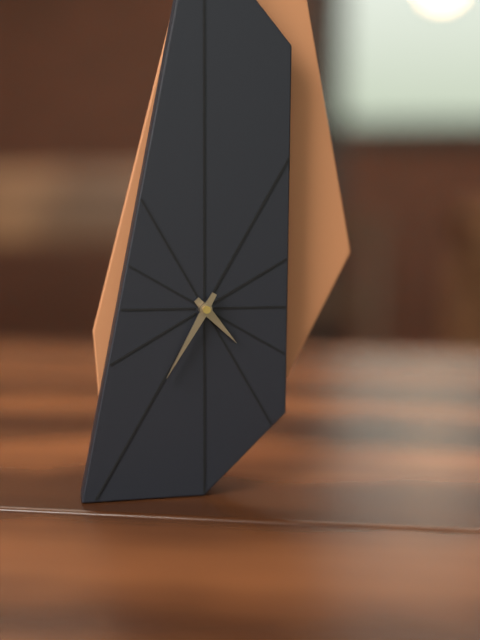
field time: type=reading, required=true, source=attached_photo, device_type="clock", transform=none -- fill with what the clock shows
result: 4:35
